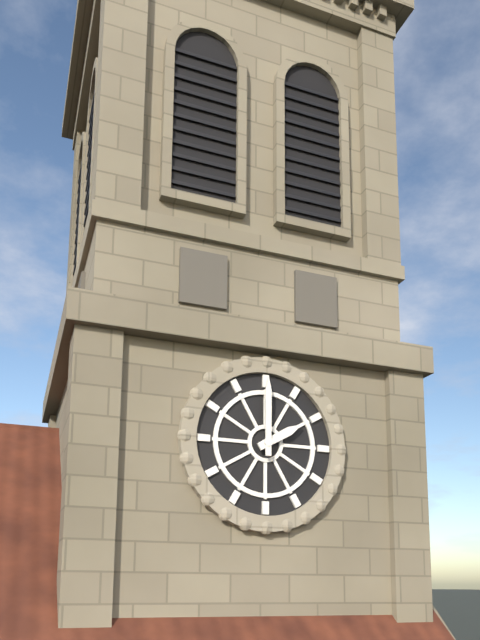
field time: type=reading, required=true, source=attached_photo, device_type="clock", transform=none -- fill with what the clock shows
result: 2:00
